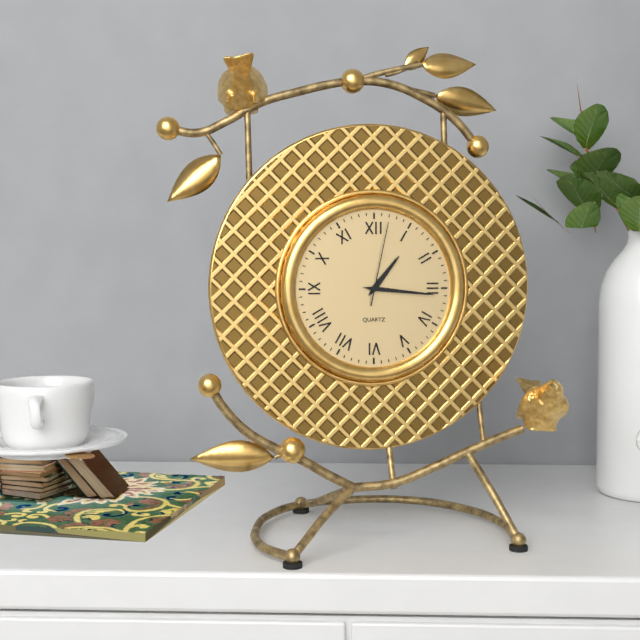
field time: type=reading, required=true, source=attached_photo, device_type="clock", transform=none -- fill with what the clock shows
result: 1:16:02
